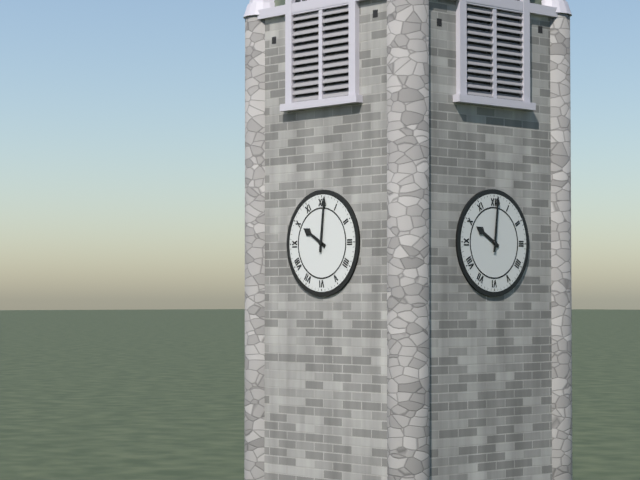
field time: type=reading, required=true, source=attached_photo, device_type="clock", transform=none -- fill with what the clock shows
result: 10:01
